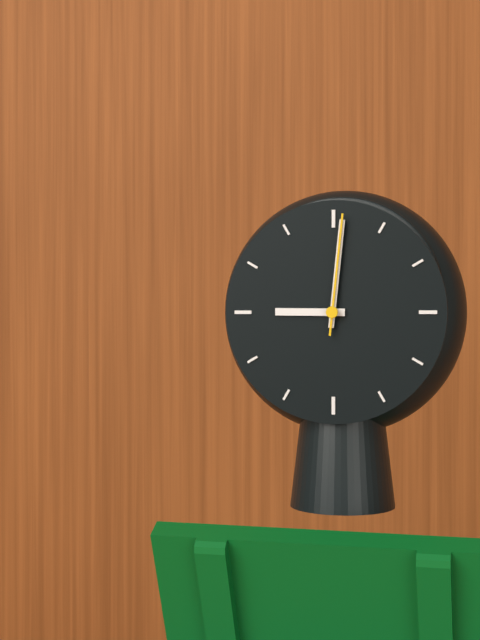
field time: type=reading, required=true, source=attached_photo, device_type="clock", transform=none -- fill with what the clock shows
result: 9:01:01
